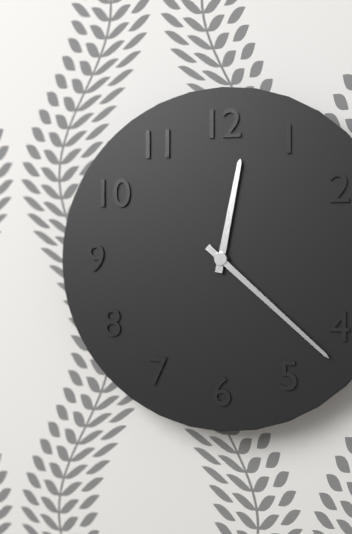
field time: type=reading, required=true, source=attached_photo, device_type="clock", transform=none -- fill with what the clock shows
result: 12:22
